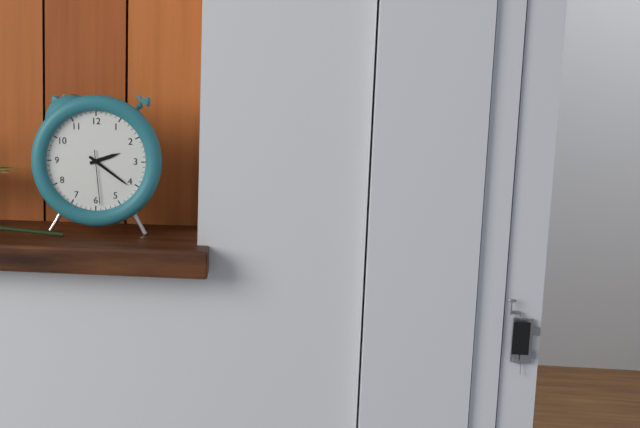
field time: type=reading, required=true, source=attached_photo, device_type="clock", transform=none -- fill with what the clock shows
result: 2:21:29
